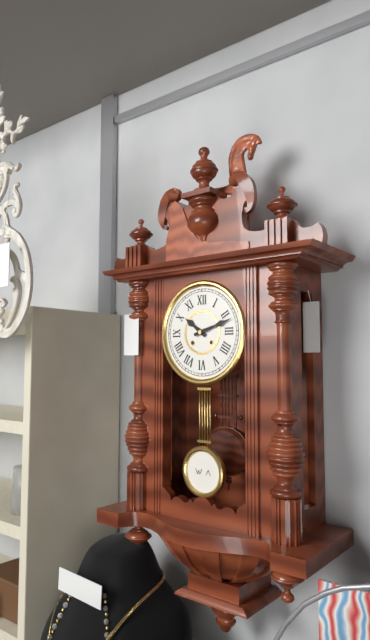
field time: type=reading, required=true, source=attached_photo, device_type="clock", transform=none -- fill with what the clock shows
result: 10:12
